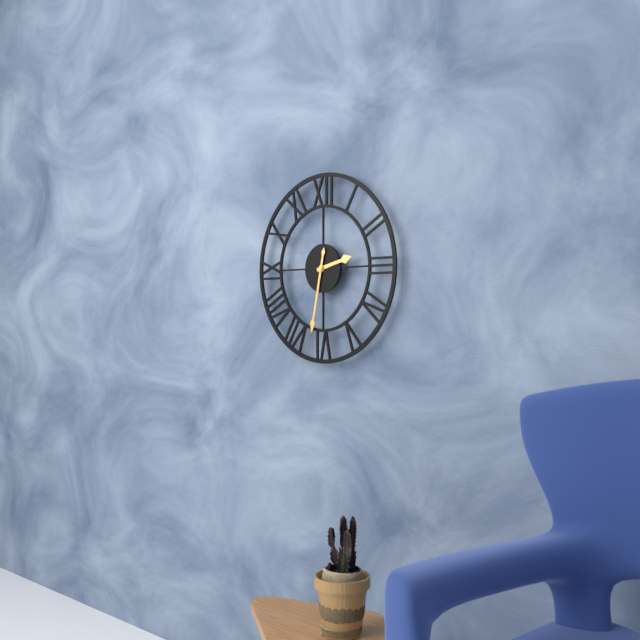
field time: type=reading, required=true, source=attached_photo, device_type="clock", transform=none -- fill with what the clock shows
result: 2:32
